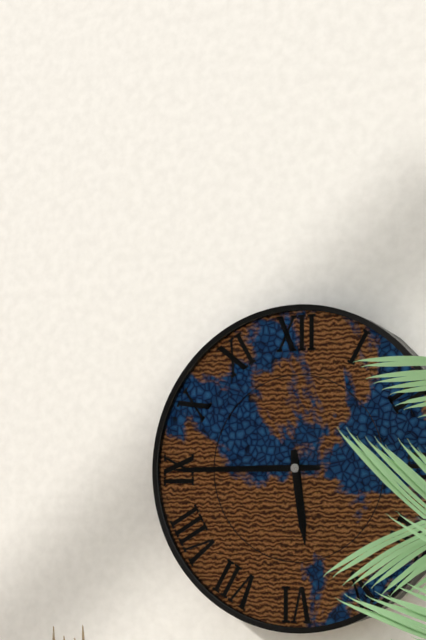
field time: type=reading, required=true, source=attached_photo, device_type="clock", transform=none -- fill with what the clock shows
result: 5:45
